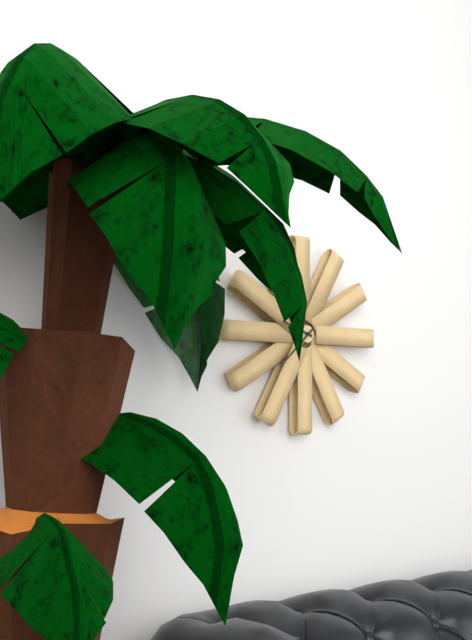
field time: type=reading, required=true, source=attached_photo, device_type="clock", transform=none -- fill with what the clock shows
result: 9:38
